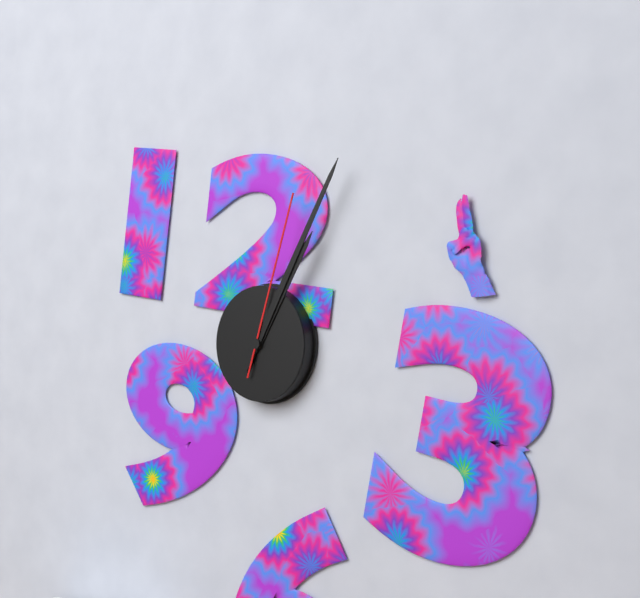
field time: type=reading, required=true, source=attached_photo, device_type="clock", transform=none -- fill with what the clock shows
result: 1:05:03
